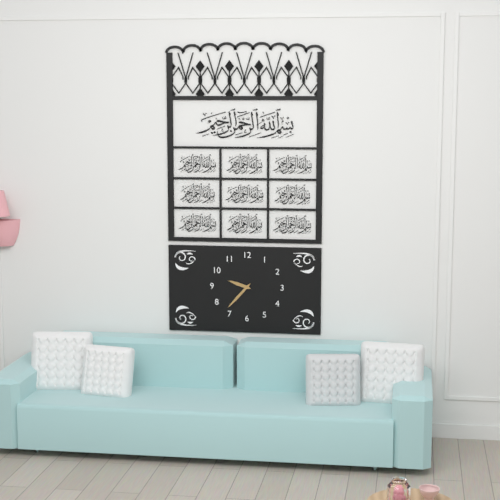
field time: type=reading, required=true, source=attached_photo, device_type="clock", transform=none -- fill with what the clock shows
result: 9:37
